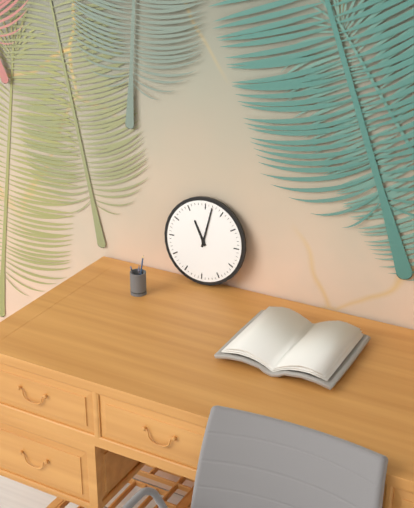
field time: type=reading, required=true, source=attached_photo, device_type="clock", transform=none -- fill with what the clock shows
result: 11:02
